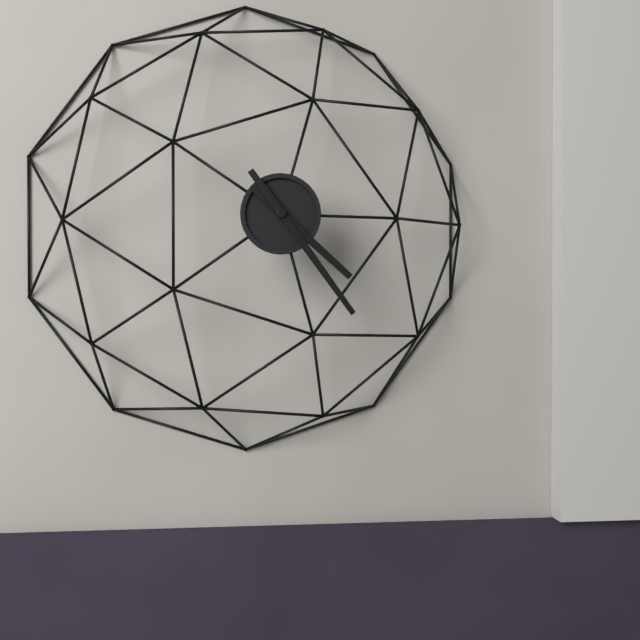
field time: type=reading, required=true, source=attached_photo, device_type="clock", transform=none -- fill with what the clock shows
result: 4:24
